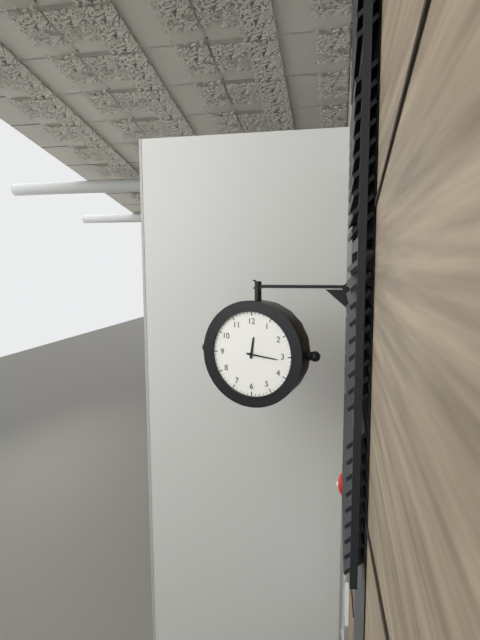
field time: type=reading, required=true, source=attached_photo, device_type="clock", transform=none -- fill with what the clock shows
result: 12:16
